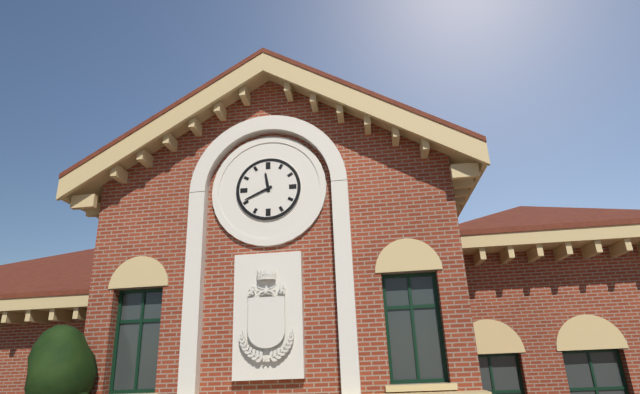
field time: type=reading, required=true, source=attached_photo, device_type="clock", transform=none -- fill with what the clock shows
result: 11:41
